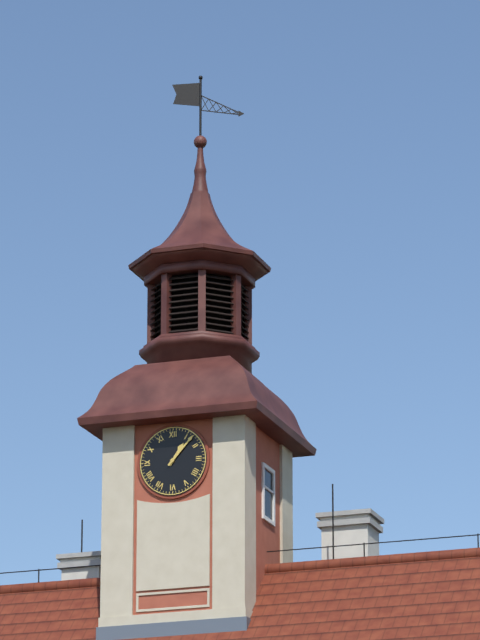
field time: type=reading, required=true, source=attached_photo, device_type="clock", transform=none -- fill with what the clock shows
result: 1:07
